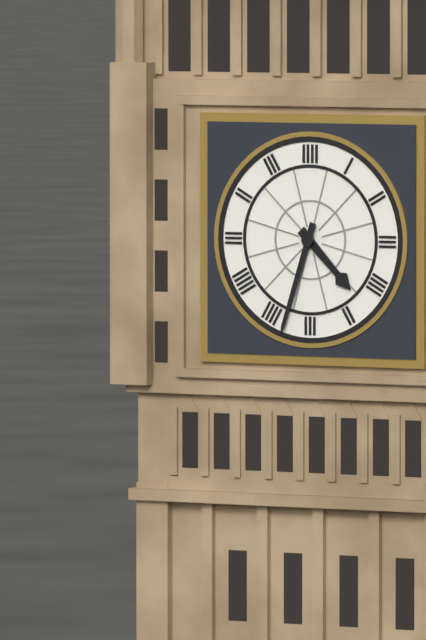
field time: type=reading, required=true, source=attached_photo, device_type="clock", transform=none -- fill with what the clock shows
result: 4:33
